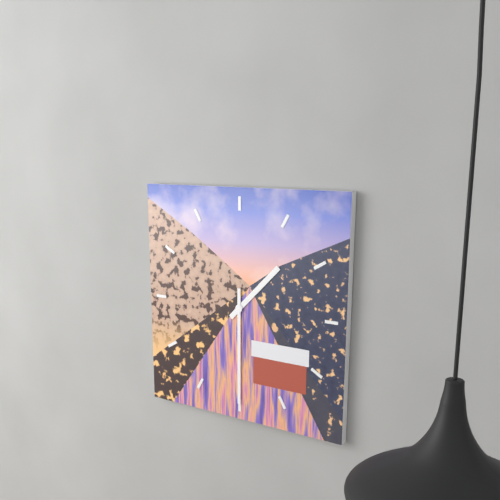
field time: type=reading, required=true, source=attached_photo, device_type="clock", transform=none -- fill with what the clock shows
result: 1:30
